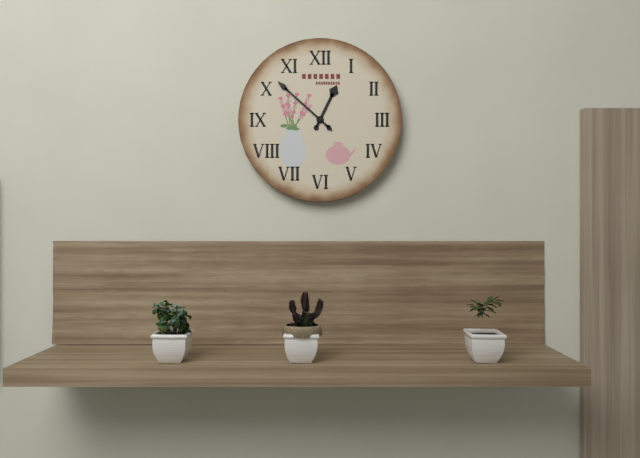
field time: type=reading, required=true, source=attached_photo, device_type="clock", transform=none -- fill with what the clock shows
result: 12:52
